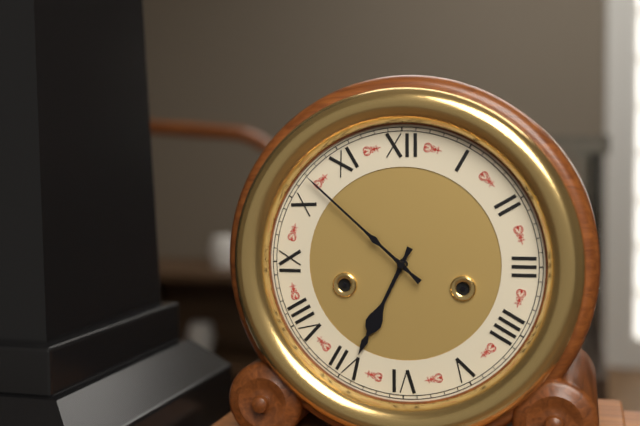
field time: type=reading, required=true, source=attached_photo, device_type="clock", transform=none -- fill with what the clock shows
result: 6:52
